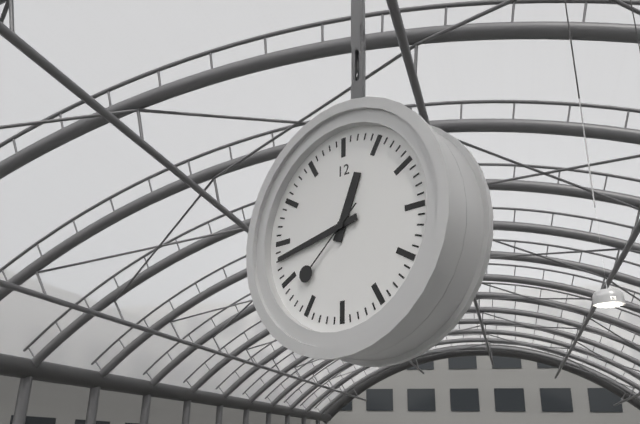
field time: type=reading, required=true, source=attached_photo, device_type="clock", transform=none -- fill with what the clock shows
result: 12:43:38
